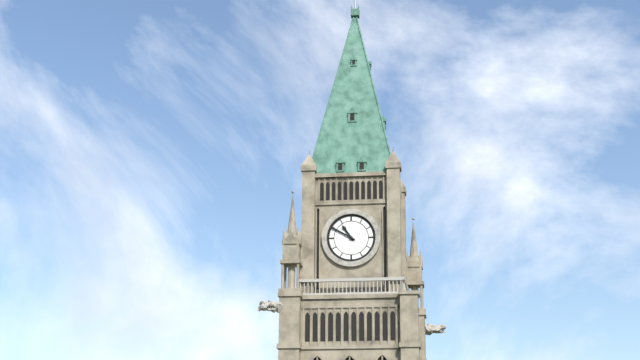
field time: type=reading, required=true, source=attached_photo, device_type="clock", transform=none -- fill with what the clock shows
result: 10:50
